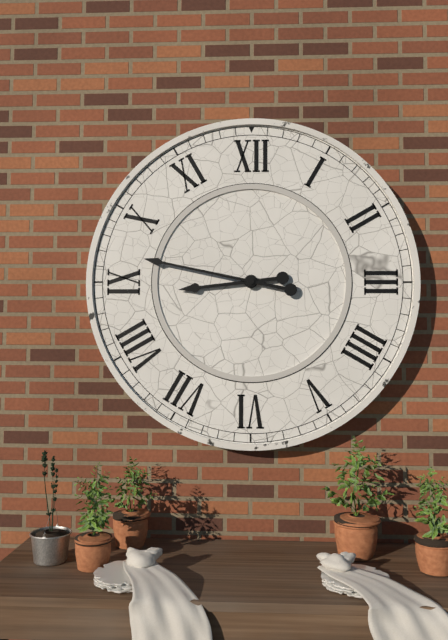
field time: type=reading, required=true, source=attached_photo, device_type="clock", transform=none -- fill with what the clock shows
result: 8:47
